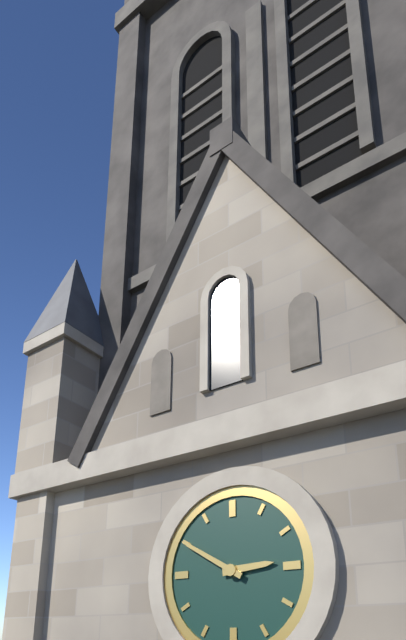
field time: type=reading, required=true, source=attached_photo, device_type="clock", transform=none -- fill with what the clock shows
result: 2:50
